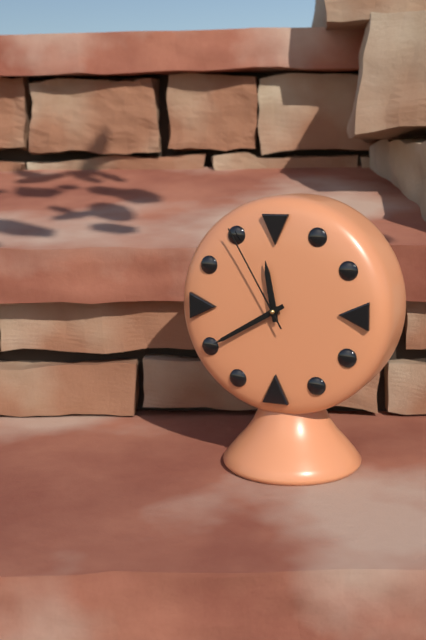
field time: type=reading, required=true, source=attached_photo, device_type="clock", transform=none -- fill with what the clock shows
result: 11:40:55
